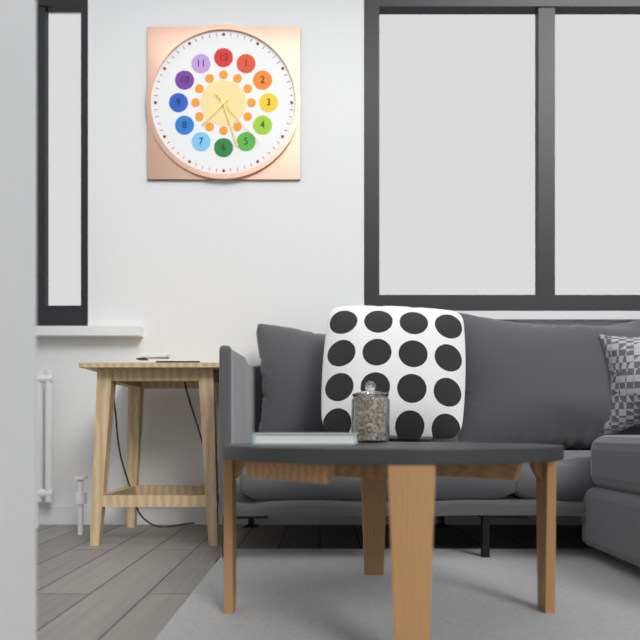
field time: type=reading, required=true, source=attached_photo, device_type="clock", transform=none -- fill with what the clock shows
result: 7:27:23
